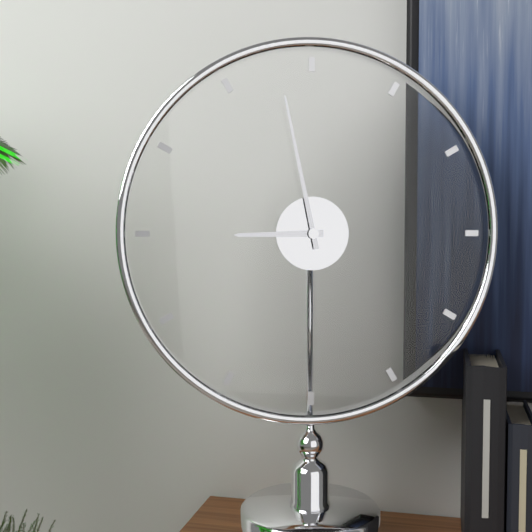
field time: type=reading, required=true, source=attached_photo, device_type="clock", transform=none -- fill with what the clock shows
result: 8:58
